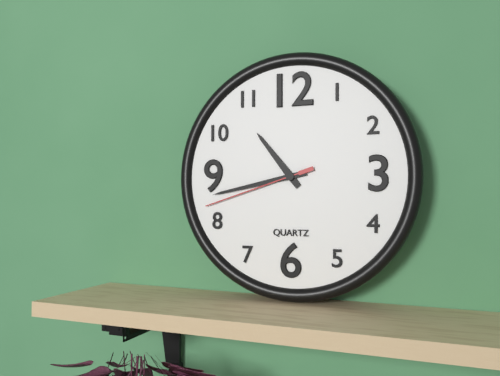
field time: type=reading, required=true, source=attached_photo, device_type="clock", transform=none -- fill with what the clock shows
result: 10:43:42
